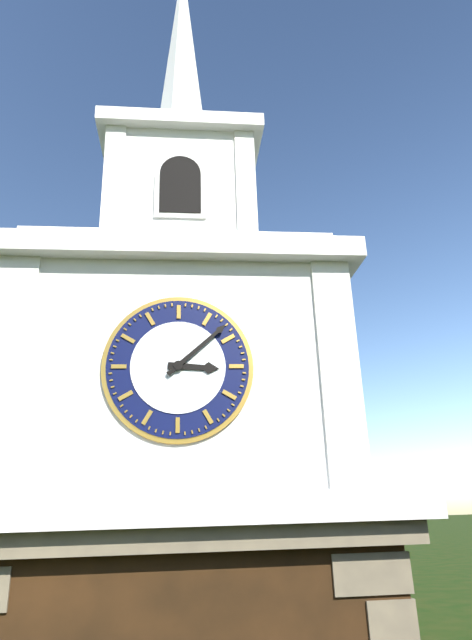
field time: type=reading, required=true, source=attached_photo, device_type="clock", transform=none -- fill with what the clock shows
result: 3:08
